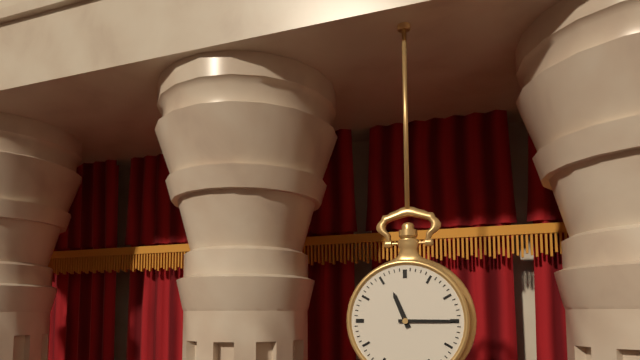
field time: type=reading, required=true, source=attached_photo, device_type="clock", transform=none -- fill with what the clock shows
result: 11:15
